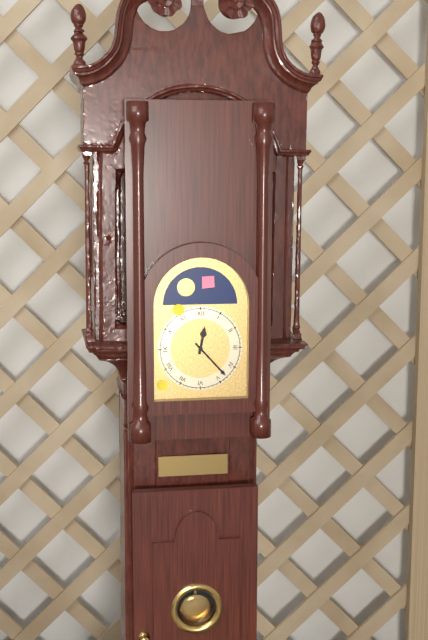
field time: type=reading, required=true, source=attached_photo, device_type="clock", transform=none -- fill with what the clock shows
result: 12:23
